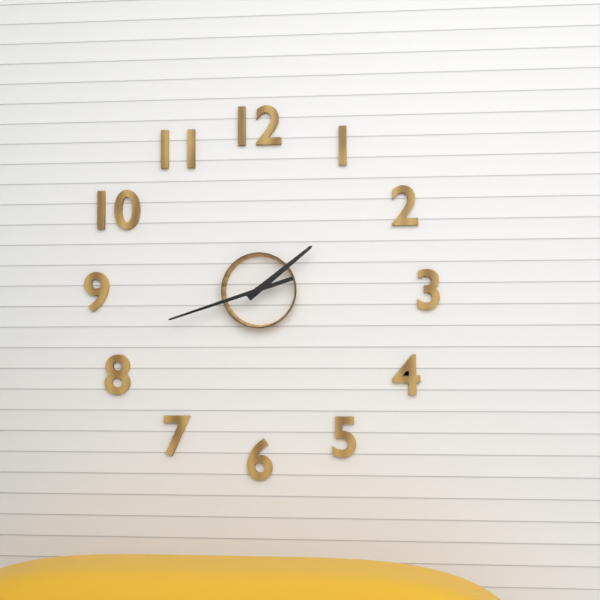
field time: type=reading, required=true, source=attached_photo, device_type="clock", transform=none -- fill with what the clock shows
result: 1:42
